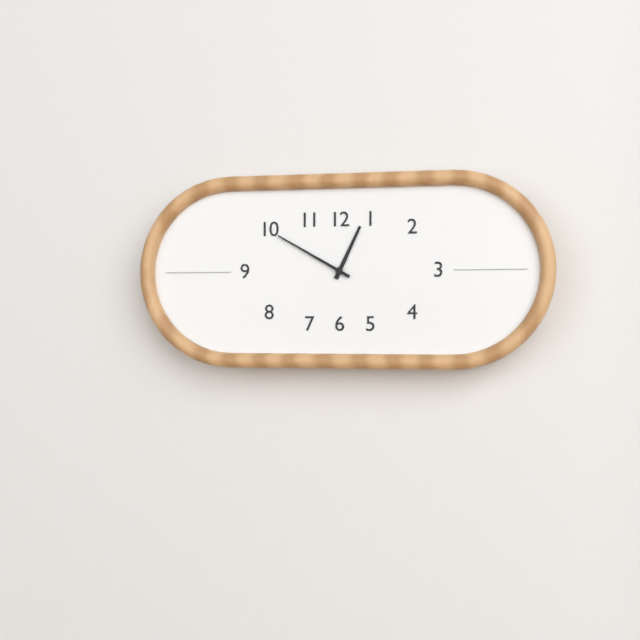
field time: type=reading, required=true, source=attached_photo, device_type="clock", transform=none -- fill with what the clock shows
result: 12:50
